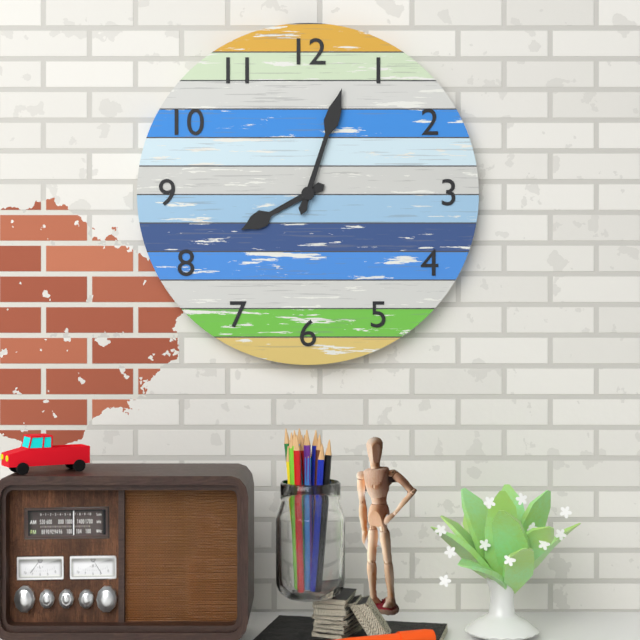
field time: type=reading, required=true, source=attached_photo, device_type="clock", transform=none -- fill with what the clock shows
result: 8:03
